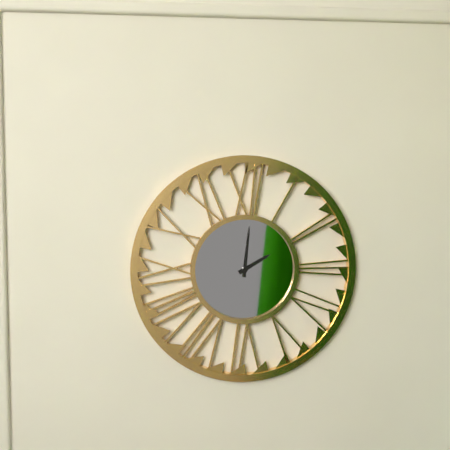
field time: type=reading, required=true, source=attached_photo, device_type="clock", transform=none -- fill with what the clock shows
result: 2:01
